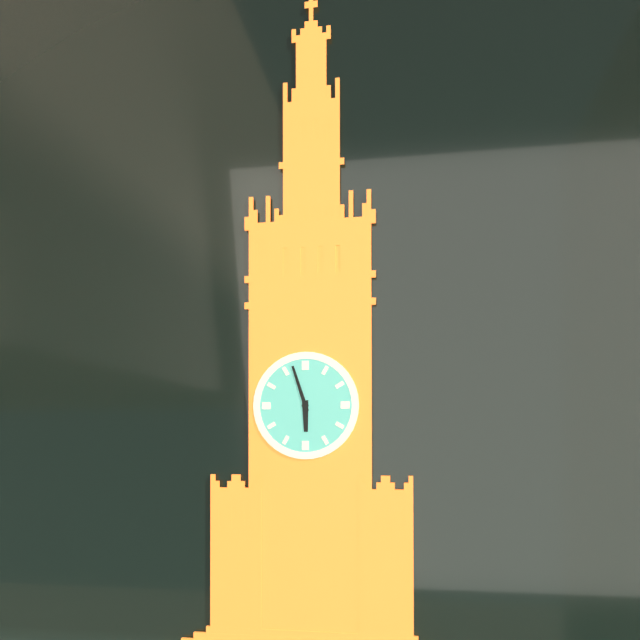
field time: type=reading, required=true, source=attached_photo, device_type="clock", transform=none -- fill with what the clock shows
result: 5:57
